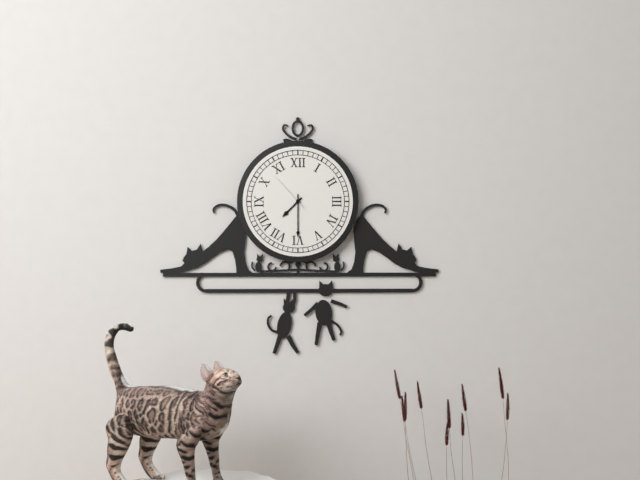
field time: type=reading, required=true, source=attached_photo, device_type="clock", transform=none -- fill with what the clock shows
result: 7:30
